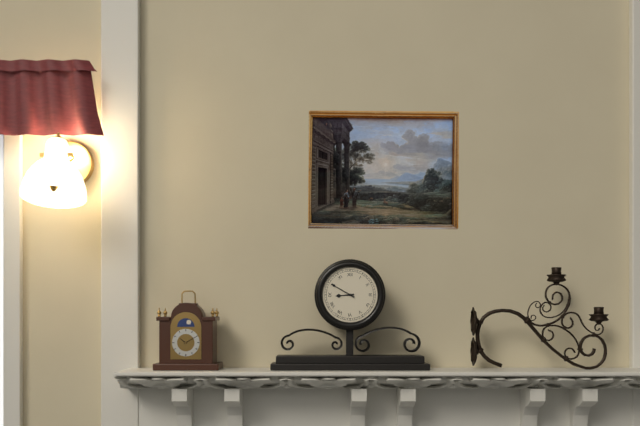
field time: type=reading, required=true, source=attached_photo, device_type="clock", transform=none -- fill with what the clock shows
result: 8:50
